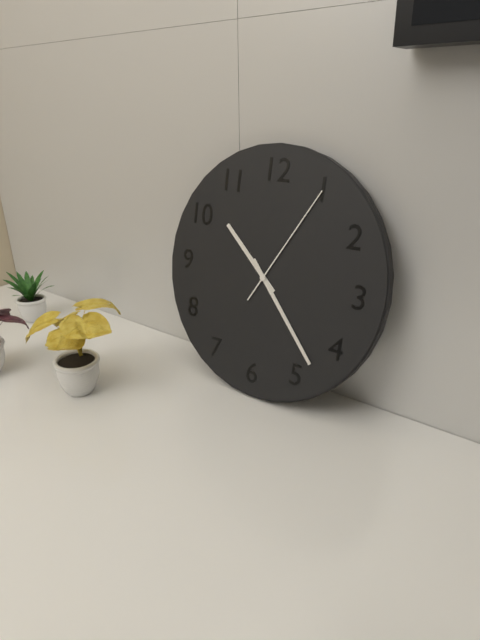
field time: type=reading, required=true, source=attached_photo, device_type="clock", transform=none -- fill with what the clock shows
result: 10:23:05
